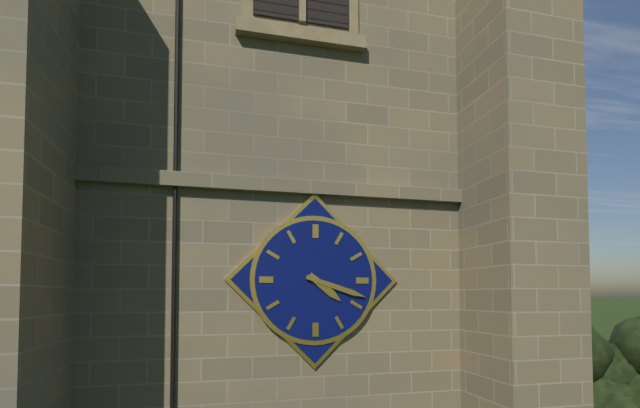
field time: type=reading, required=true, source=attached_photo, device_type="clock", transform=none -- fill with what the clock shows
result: 4:18
